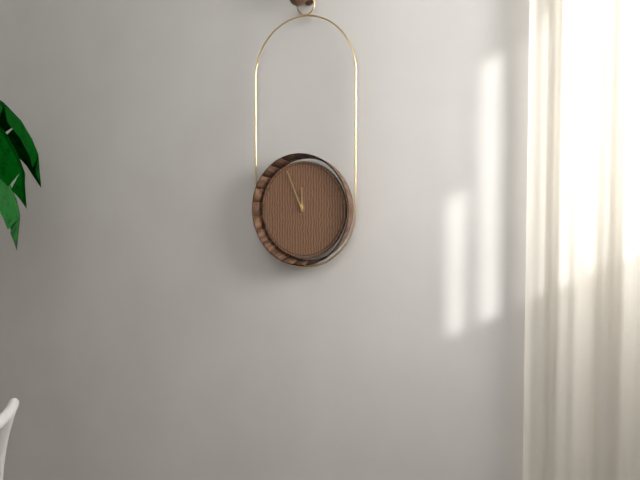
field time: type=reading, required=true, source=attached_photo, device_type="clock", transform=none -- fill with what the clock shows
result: 11:56
